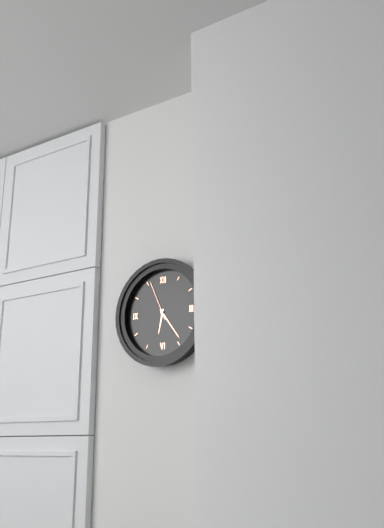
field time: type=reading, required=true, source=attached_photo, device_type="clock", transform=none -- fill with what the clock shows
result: 6:24
